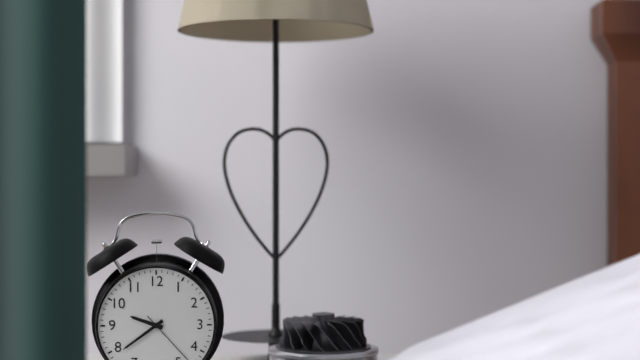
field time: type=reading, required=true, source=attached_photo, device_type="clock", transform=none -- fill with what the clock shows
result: 9:39
